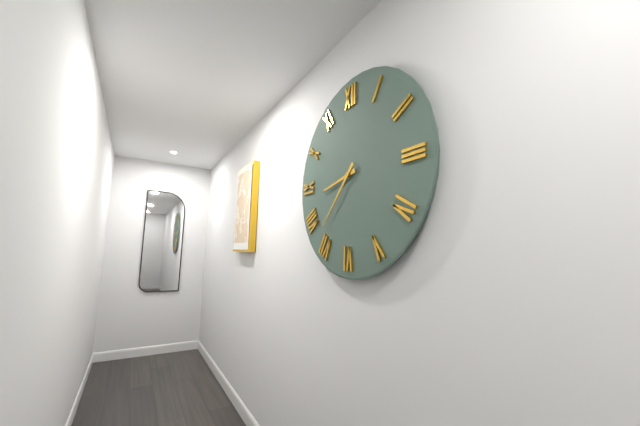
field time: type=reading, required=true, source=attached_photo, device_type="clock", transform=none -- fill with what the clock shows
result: 8:37
